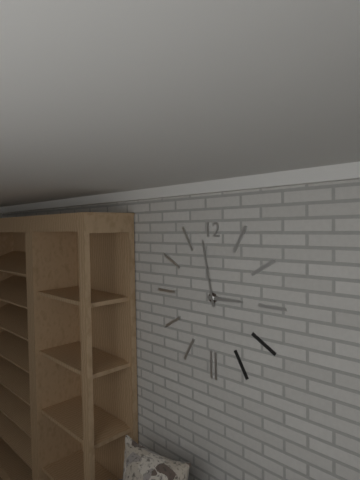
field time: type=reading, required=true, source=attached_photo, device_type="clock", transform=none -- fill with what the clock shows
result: 2:58
